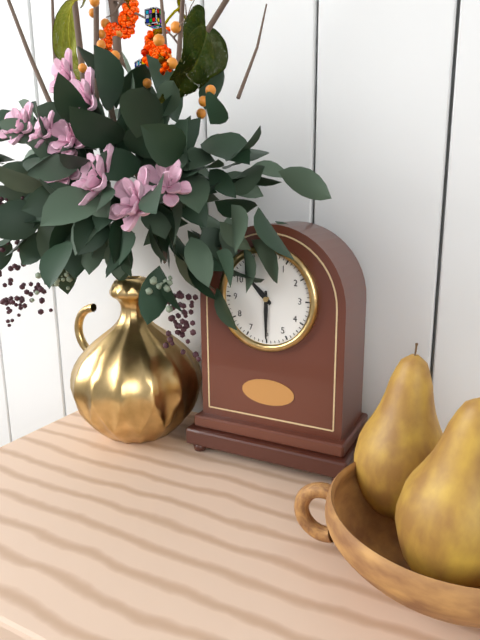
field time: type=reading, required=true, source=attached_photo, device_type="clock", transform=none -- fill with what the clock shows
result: 10:30
